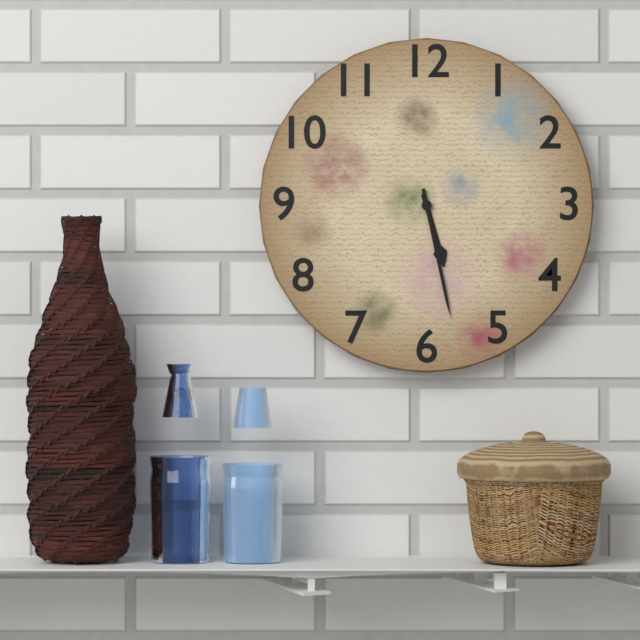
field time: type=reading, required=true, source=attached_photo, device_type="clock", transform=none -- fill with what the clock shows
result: 5:28
